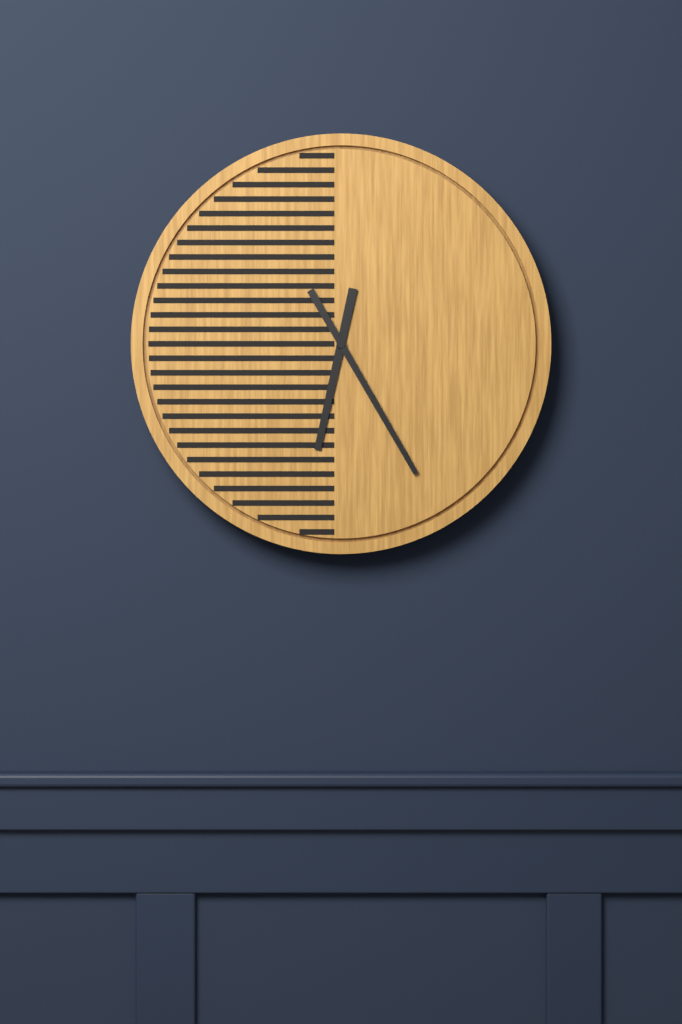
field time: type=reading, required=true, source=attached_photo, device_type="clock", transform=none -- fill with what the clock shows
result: 6:25
